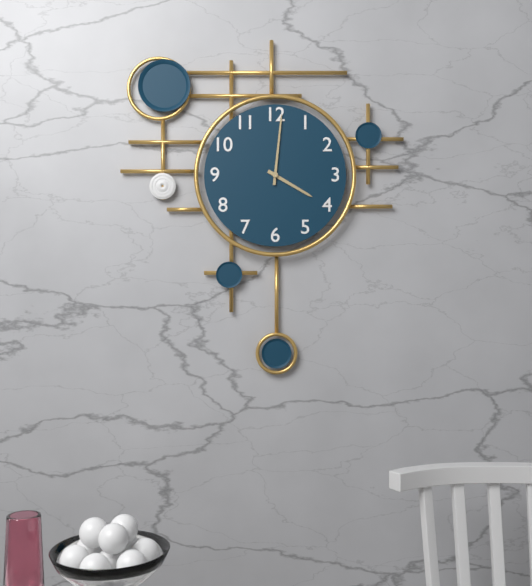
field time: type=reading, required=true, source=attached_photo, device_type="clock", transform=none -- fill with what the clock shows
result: 4:01
